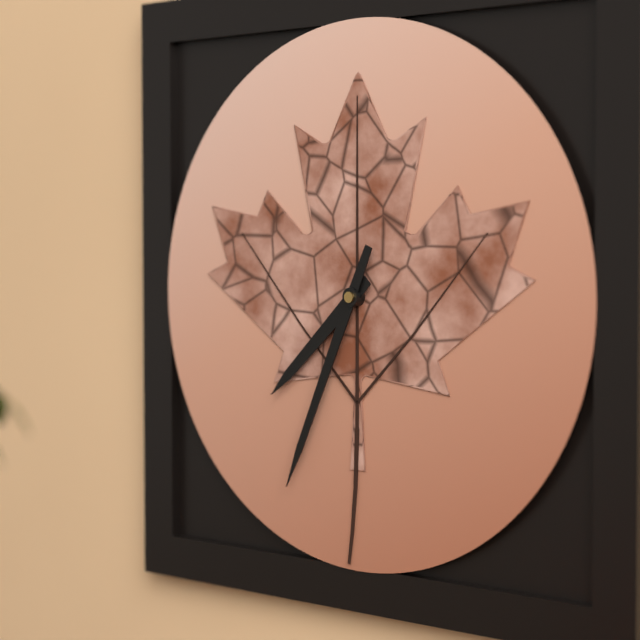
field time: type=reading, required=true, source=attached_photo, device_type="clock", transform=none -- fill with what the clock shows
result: 7:34
